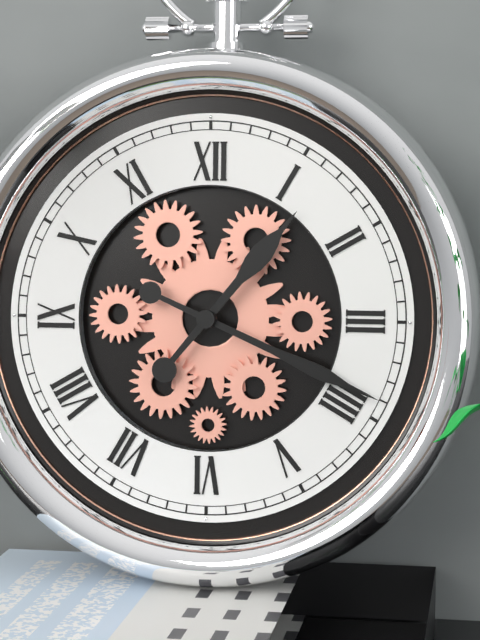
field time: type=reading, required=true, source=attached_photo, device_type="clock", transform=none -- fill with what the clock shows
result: 1:19
